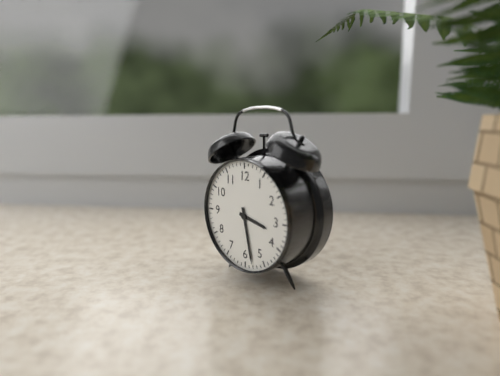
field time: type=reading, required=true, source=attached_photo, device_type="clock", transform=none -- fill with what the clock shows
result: 3:28
